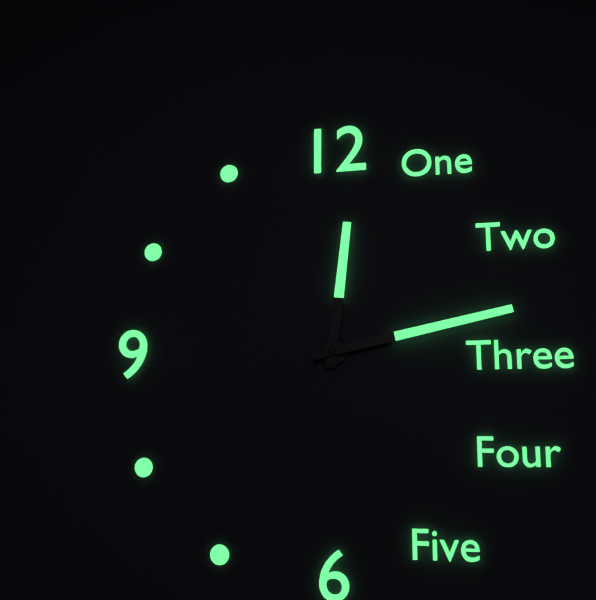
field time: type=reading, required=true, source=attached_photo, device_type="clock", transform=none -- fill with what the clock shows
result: 12:13
